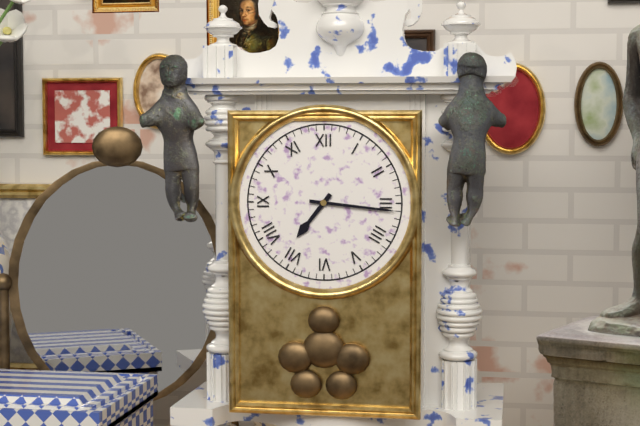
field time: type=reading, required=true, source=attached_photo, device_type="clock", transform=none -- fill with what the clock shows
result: 7:16
